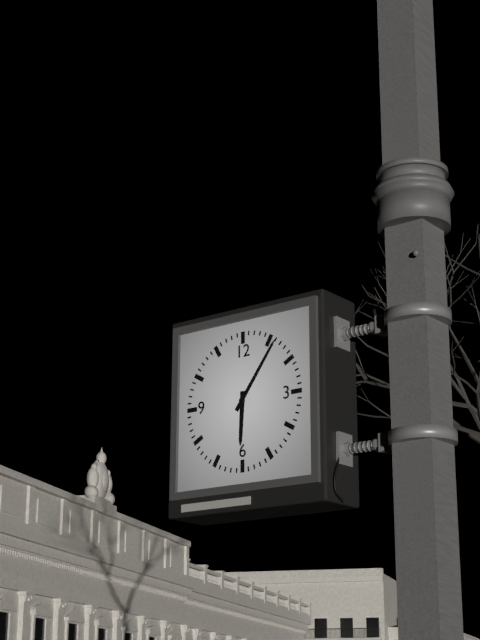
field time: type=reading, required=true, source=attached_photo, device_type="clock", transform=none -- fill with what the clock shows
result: 6:06
